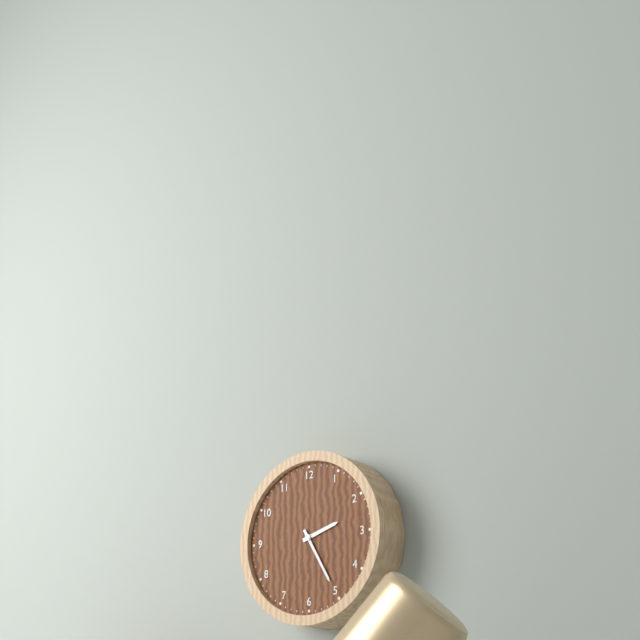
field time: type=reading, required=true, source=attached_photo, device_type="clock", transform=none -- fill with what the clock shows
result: 2:25
